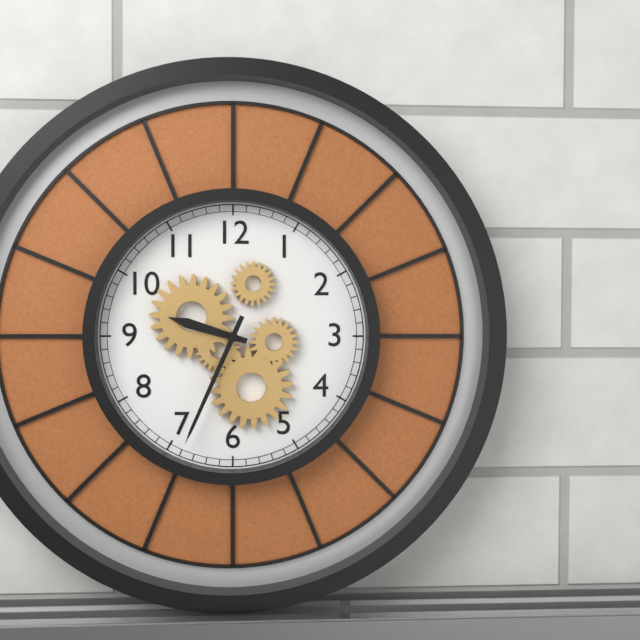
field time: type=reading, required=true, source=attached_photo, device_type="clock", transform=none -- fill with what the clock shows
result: 9:34
